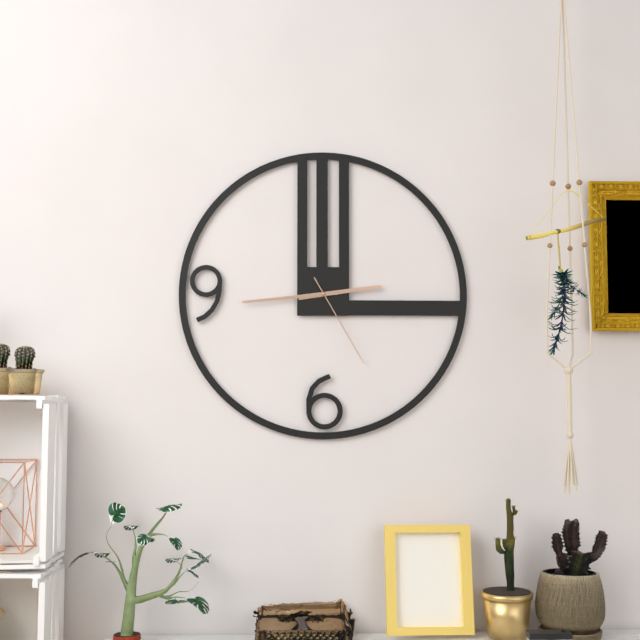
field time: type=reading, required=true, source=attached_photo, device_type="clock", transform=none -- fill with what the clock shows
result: 2:44:25
